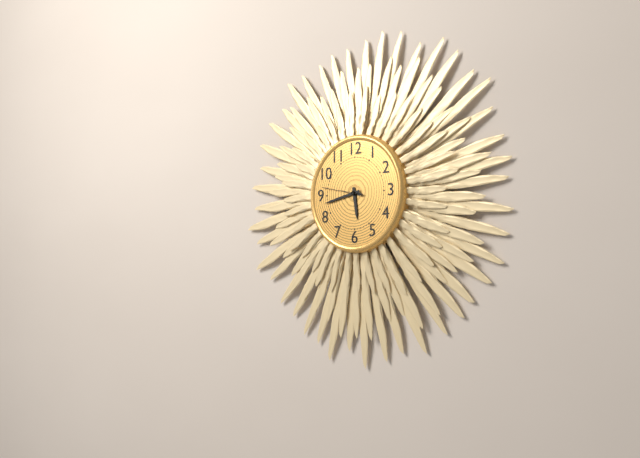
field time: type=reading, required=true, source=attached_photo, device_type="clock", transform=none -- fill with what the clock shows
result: 5:43:47
